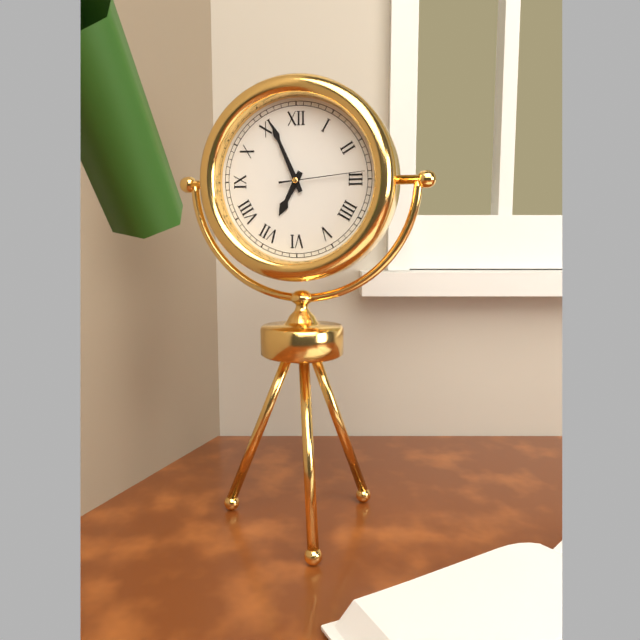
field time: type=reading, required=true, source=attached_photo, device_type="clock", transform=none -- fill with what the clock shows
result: 6:56:14
